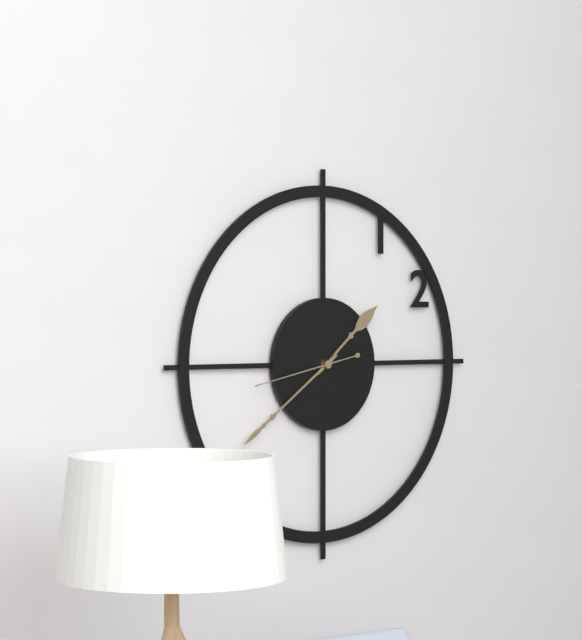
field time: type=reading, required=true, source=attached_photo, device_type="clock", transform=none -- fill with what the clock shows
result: 1:39:43
